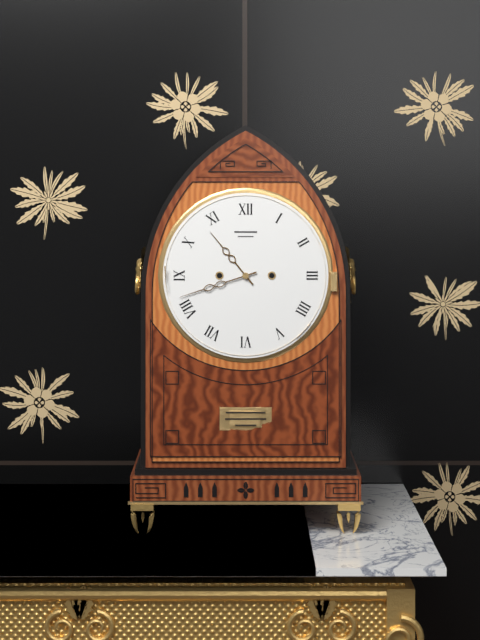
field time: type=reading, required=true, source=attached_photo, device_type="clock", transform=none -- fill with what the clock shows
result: 10:42
